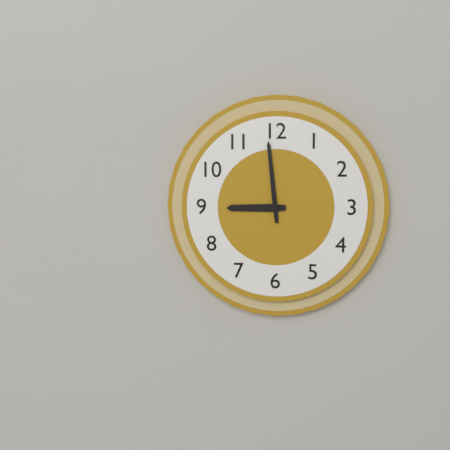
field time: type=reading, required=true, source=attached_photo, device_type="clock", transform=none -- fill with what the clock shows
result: 8:59
